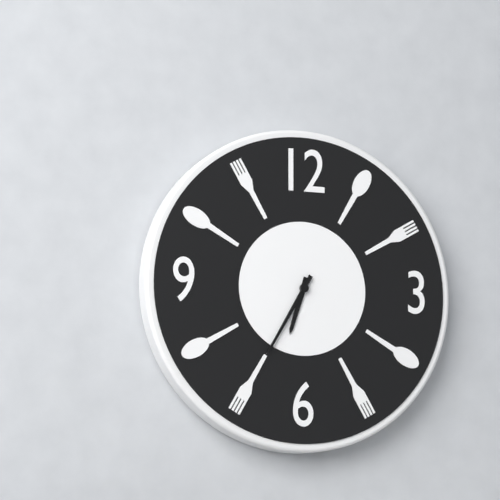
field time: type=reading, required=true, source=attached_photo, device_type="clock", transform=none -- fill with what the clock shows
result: 6:35
